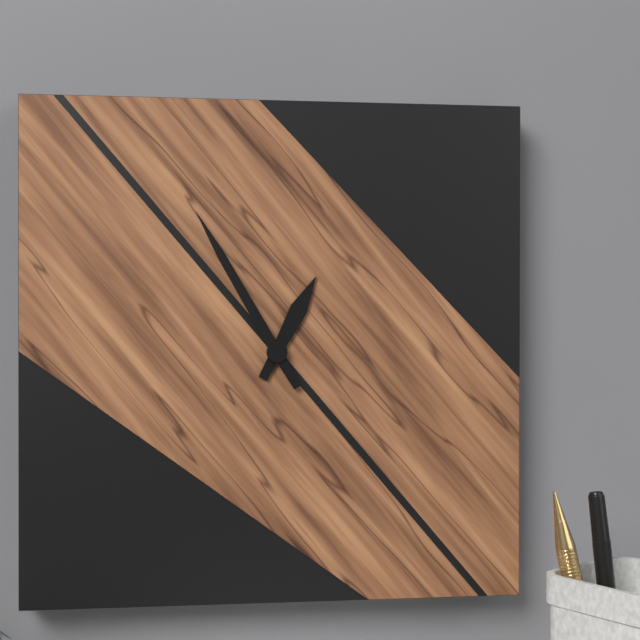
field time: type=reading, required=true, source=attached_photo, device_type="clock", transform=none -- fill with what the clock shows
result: 12:55
